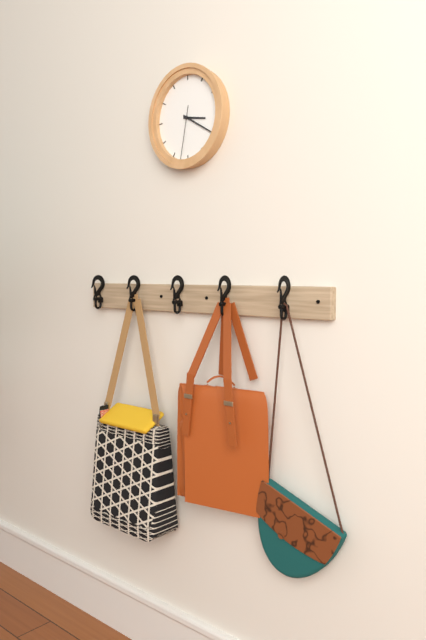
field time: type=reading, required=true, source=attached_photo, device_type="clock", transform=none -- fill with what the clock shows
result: 3:20:32
